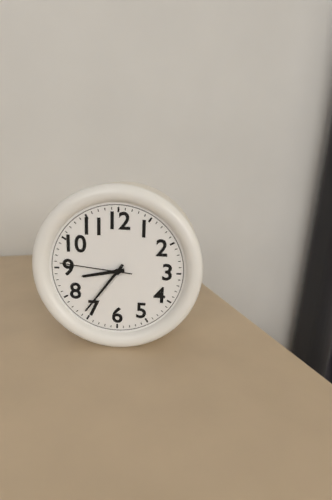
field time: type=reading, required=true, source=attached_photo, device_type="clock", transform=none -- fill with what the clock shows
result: 8:36:46
